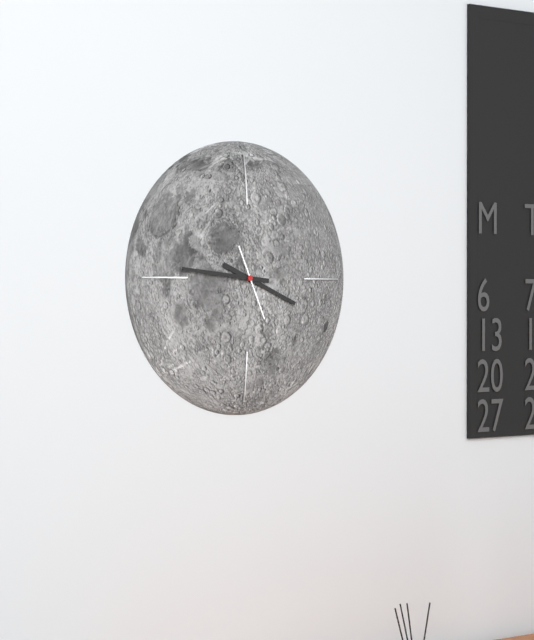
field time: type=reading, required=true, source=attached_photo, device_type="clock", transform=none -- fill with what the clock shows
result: 3:46:26
